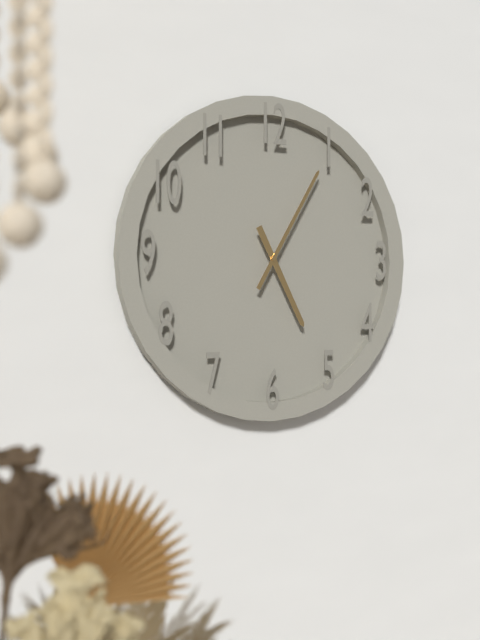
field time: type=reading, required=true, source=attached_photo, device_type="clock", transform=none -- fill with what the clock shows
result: 5:05
